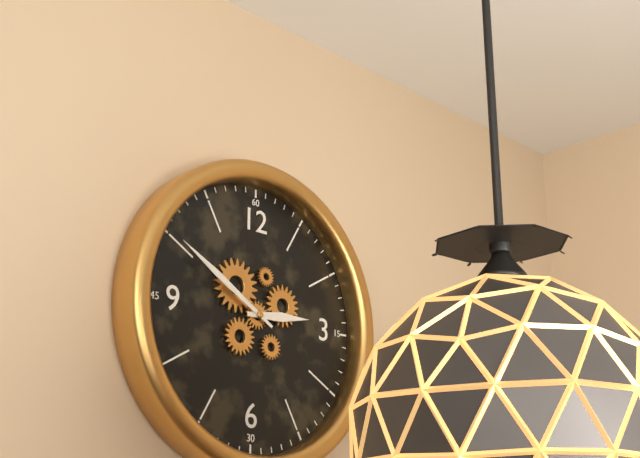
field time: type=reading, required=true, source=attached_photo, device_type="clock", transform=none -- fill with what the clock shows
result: 2:50
